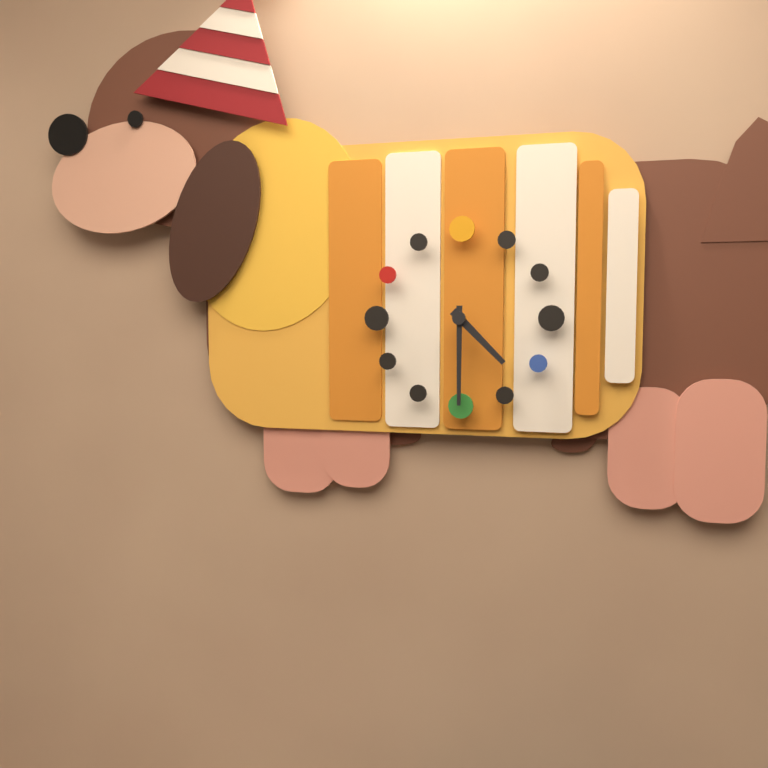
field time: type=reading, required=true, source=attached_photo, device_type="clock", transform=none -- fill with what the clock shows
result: 4:30
